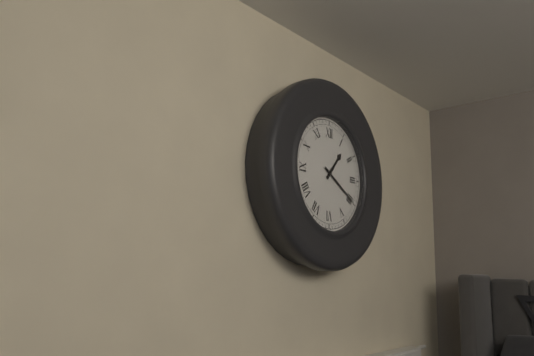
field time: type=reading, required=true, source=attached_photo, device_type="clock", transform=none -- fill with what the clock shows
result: 1:20
